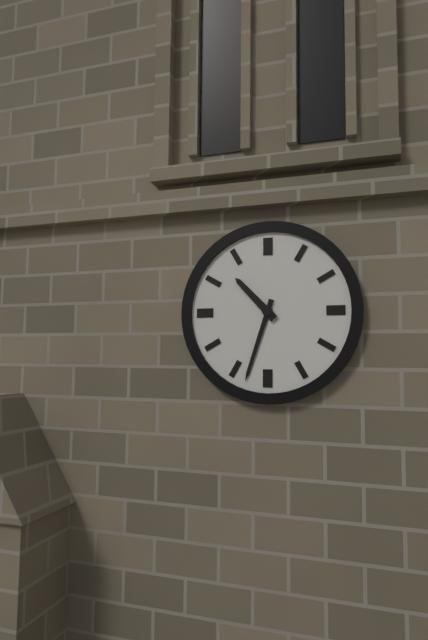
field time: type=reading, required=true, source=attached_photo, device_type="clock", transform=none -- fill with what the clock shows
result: 10:33
